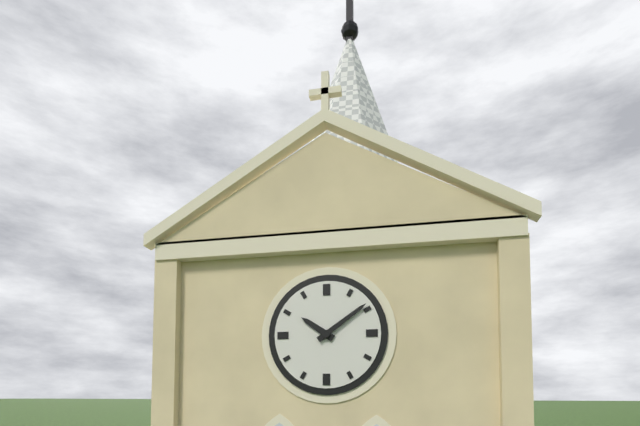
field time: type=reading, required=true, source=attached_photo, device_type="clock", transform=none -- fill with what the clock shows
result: 10:09
